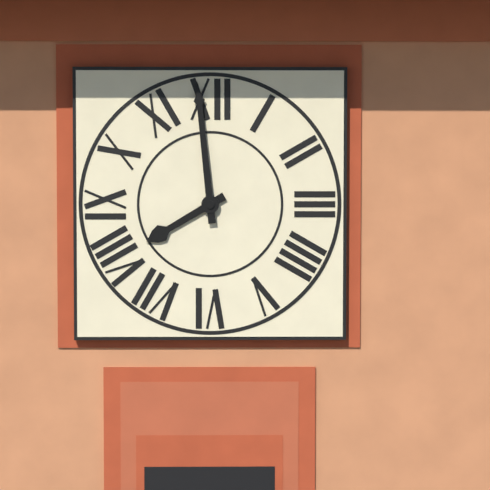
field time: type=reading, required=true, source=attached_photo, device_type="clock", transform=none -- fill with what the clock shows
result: 7:59
